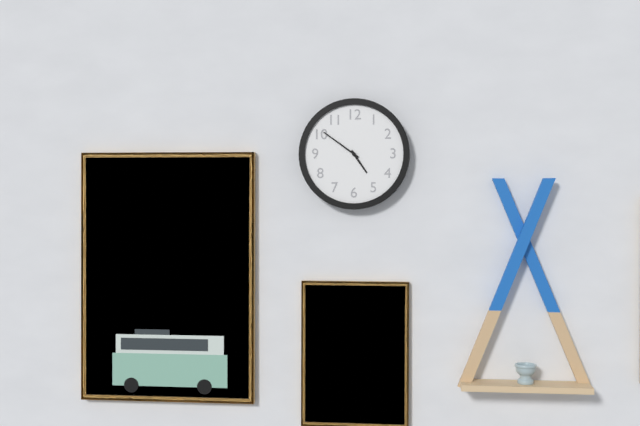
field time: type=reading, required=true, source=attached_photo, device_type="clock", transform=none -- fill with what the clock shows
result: 4:51
